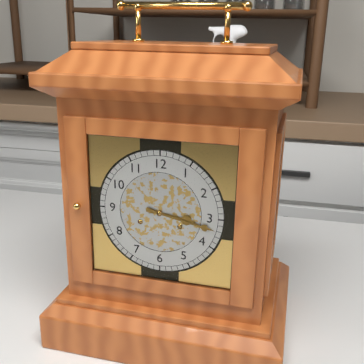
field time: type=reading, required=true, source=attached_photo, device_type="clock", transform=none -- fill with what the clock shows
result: 3:17
